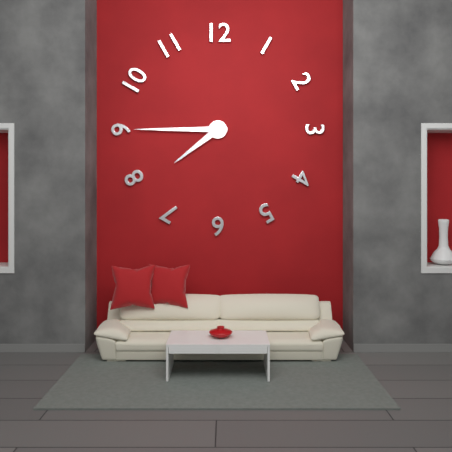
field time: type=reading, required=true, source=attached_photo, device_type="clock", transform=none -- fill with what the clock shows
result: 7:45
